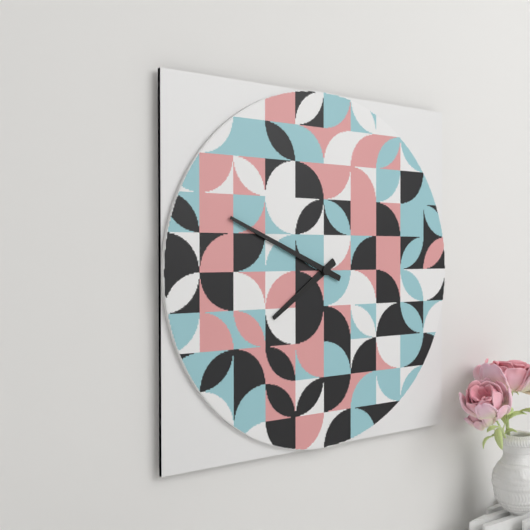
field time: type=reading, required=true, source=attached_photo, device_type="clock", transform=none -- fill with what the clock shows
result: 7:49
